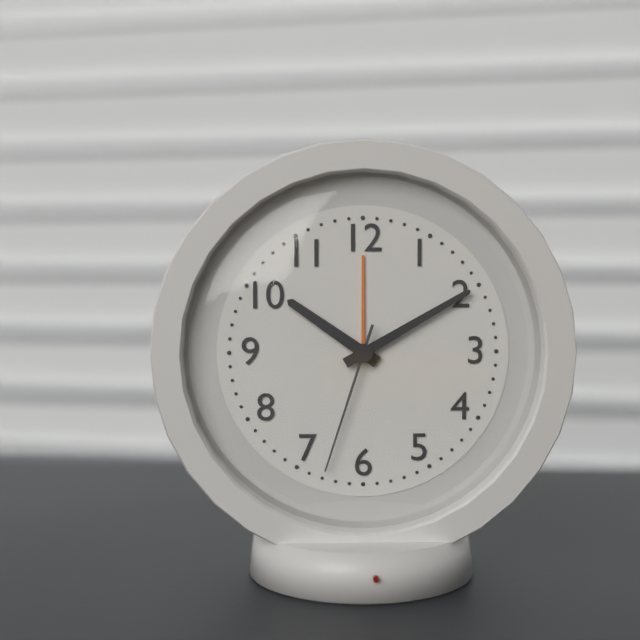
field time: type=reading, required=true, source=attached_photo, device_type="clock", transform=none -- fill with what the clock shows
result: 10:10:33
